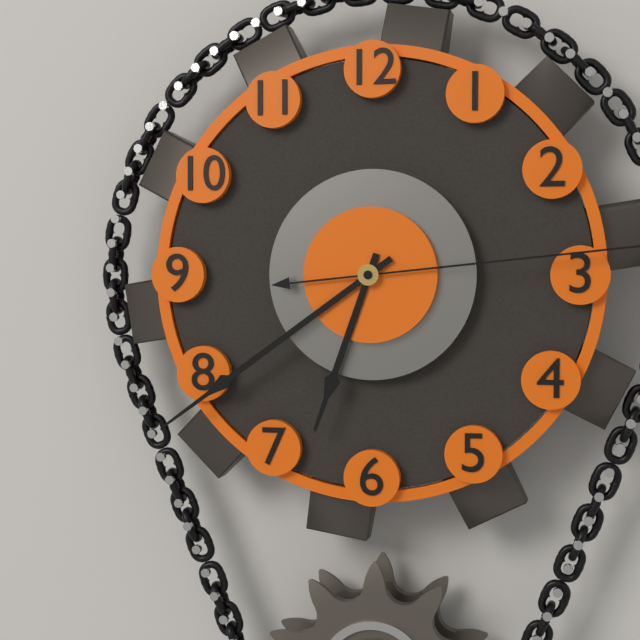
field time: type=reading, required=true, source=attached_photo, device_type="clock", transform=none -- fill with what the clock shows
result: 6:39
